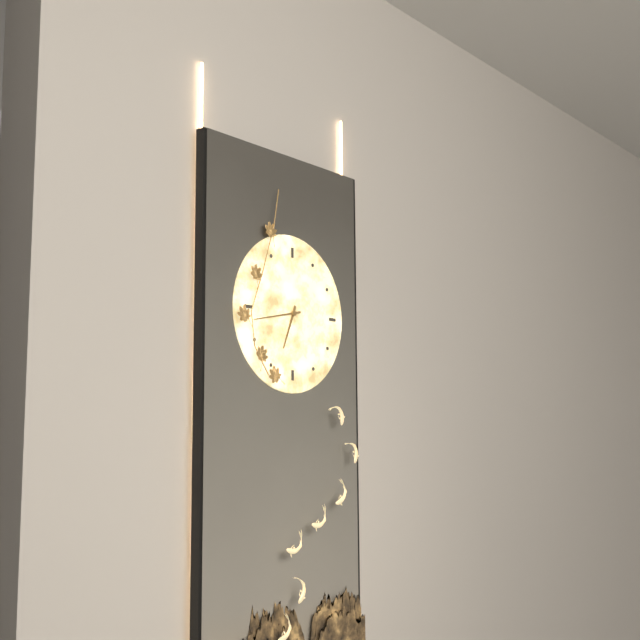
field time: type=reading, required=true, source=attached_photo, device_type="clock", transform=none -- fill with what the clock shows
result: 6:43
